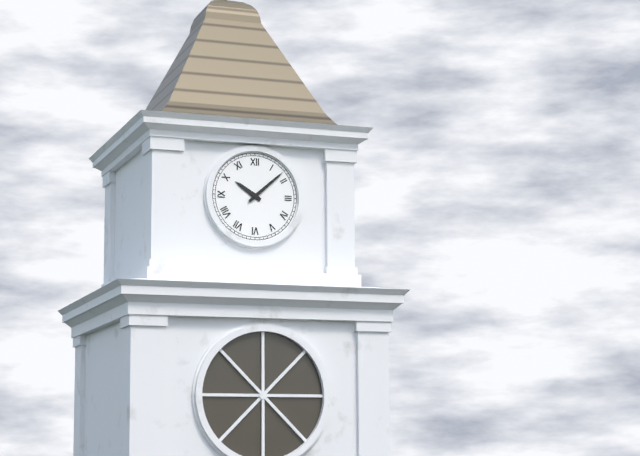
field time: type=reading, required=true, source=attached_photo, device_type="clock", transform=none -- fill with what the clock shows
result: 10:08
